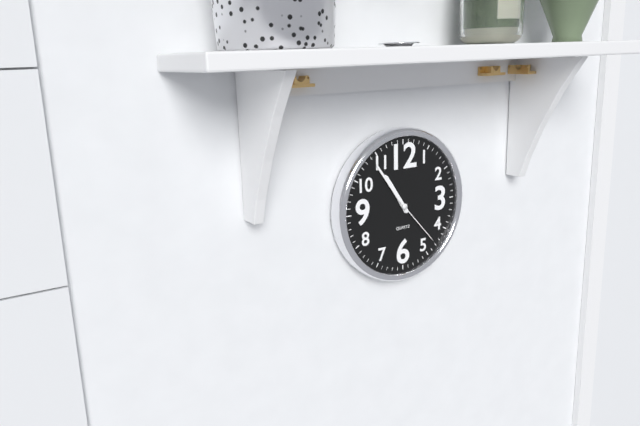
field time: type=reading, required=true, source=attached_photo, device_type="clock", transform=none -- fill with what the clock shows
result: 10:54:23
